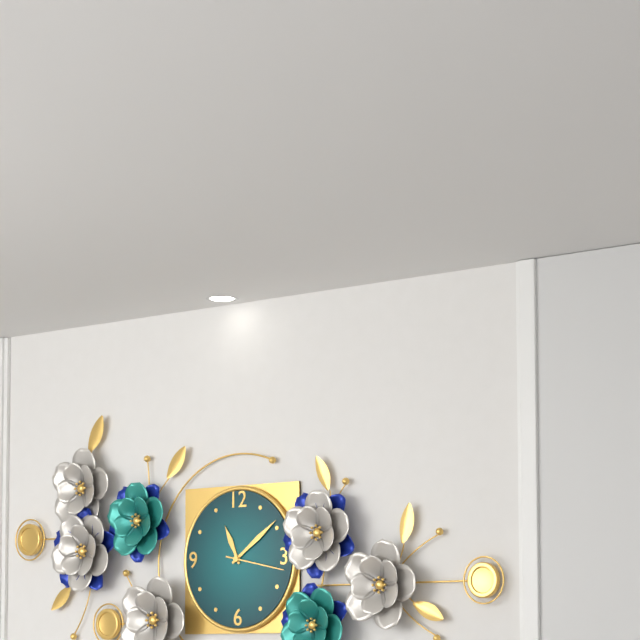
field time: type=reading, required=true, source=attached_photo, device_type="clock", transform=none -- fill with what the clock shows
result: 11:09:17
